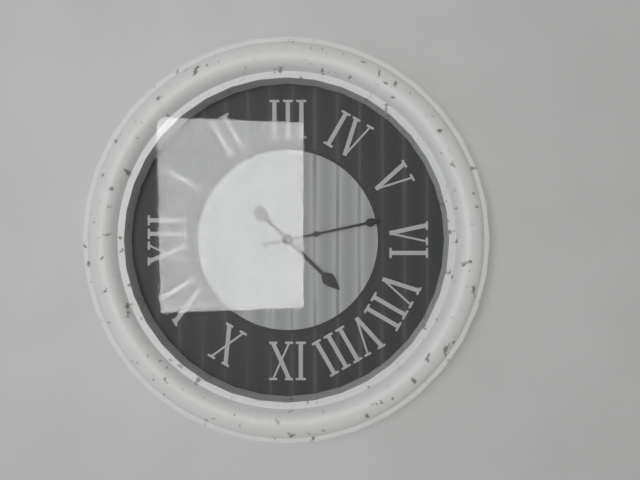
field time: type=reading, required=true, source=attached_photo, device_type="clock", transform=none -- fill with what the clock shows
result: 7:28
